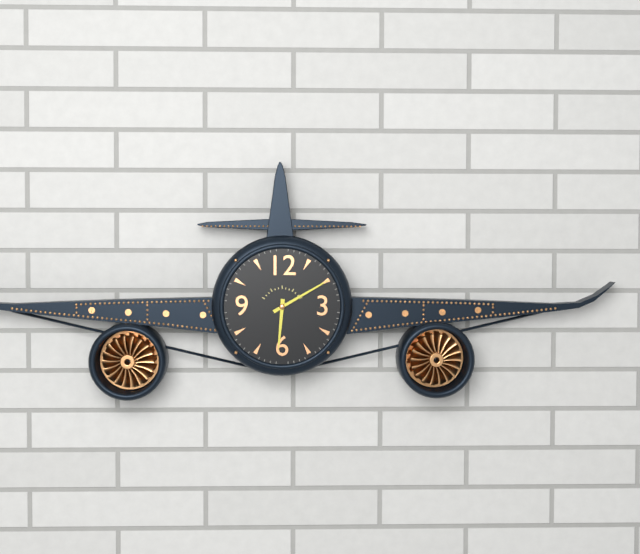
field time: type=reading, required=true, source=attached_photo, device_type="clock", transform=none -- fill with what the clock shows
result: 6:10
